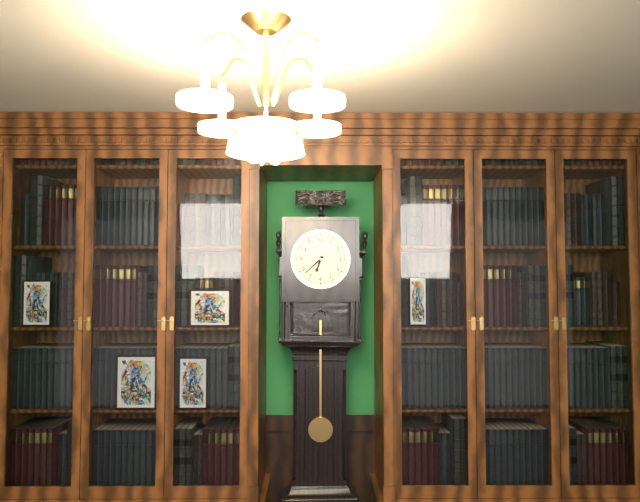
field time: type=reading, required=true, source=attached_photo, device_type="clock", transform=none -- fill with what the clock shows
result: 6:38
